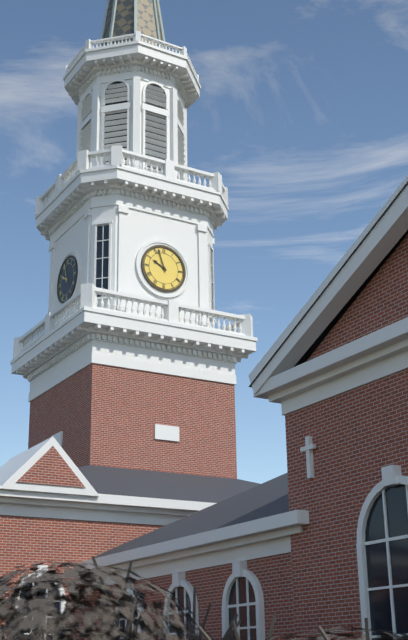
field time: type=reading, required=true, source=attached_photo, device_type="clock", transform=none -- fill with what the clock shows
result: 9:57
